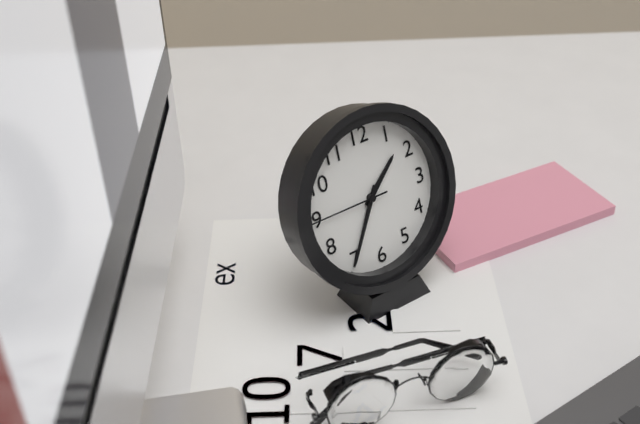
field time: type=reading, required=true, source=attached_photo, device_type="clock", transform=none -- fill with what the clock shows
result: 1:35:45
